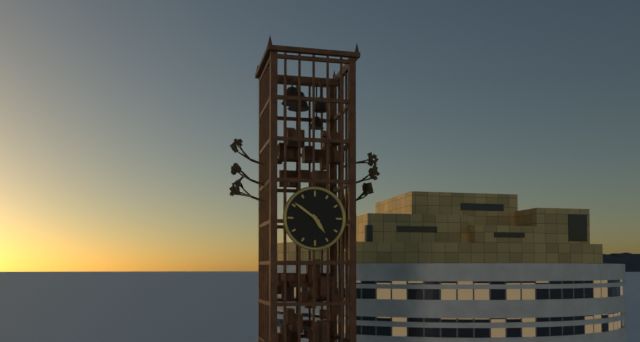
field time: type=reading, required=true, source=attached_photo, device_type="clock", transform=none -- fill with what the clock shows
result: 4:51
